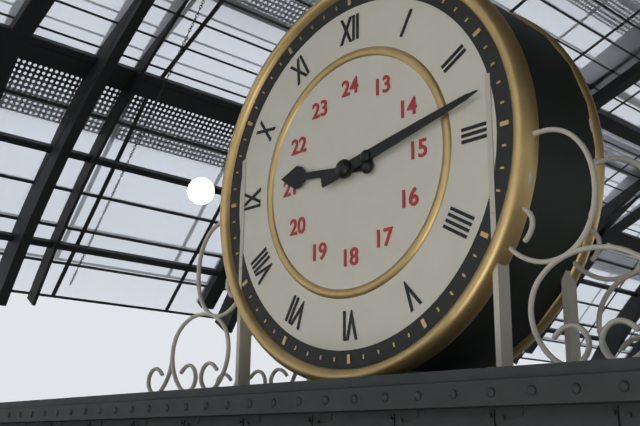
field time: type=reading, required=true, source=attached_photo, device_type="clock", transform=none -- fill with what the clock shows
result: 9:13
